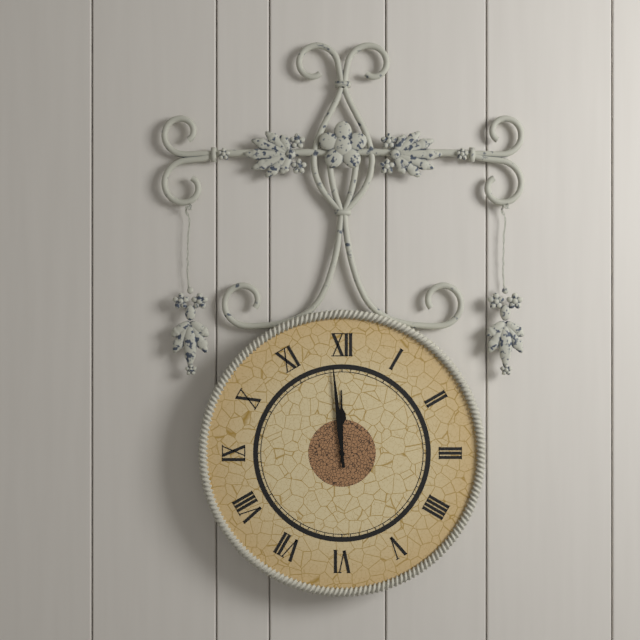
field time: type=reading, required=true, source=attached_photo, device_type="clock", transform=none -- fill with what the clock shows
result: 11:59
